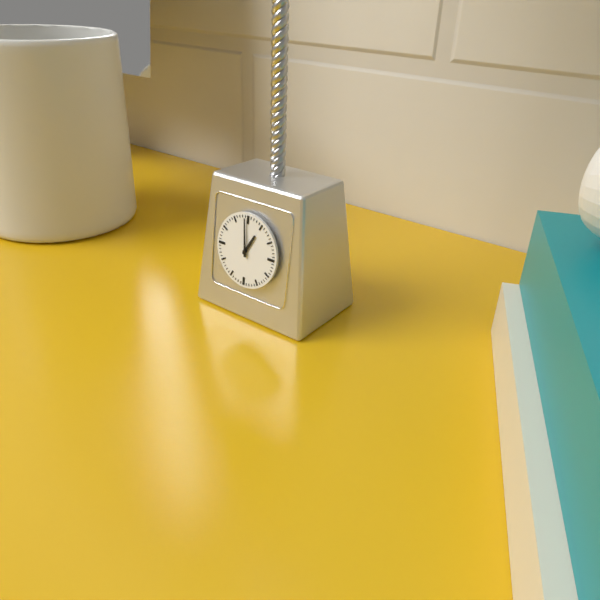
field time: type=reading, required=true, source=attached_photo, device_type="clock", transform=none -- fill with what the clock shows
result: 12:59
